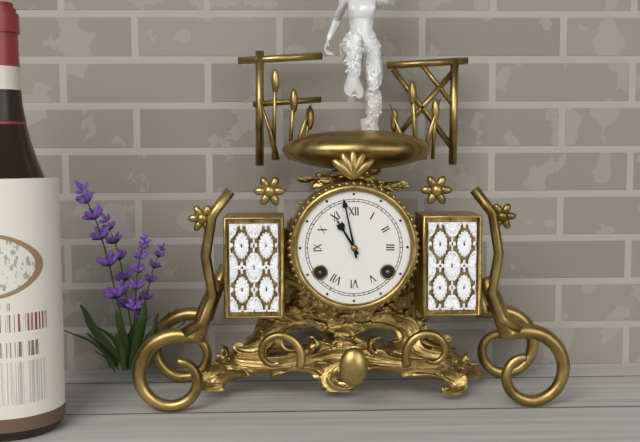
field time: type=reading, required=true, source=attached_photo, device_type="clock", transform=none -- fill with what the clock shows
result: 10:58
